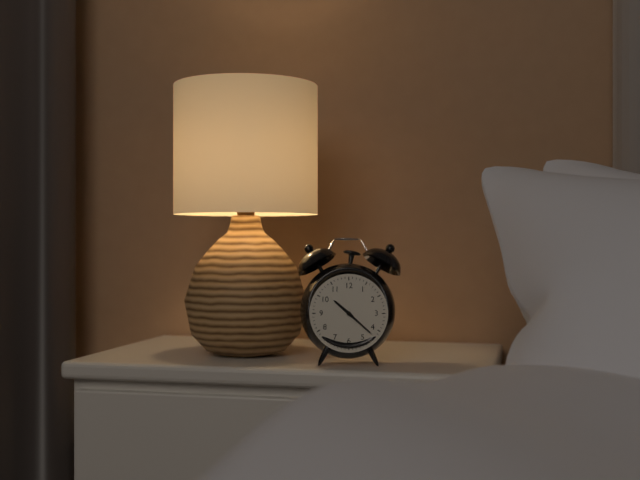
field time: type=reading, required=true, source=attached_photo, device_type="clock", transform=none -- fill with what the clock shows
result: 10:22
